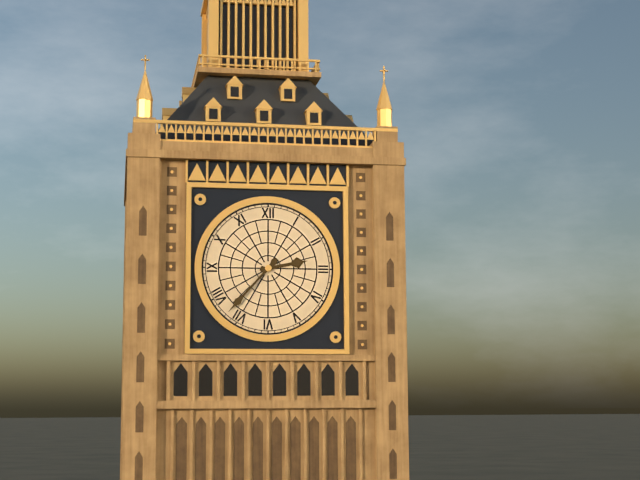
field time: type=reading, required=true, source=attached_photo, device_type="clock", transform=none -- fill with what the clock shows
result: 2:37
